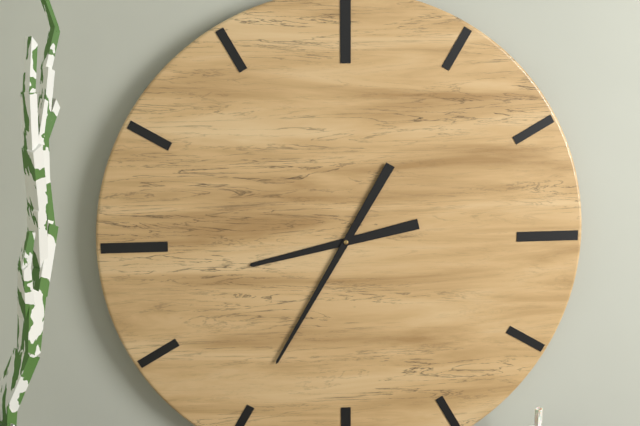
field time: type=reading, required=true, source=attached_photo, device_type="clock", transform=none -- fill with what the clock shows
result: 8:35
